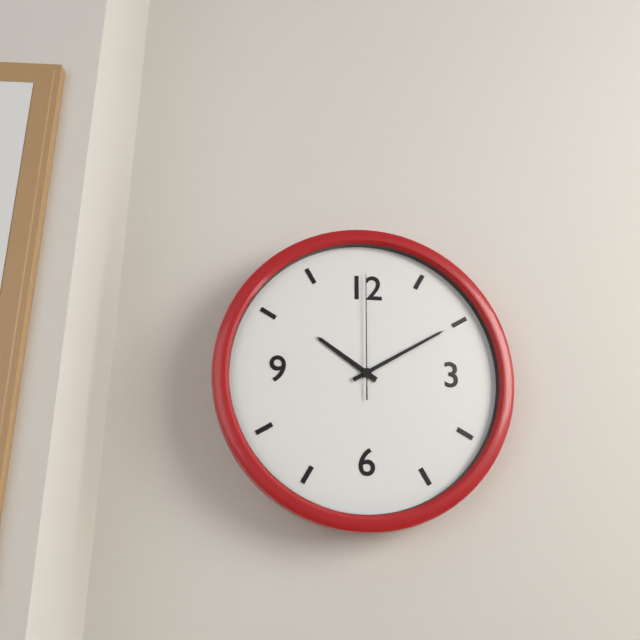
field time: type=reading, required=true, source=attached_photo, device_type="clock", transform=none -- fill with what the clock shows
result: 10:10:00
